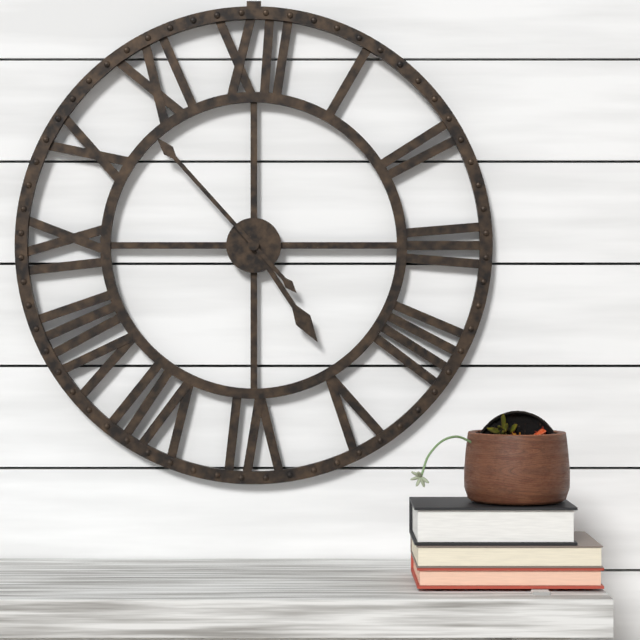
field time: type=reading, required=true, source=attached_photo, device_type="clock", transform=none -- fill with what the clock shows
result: 4:53
